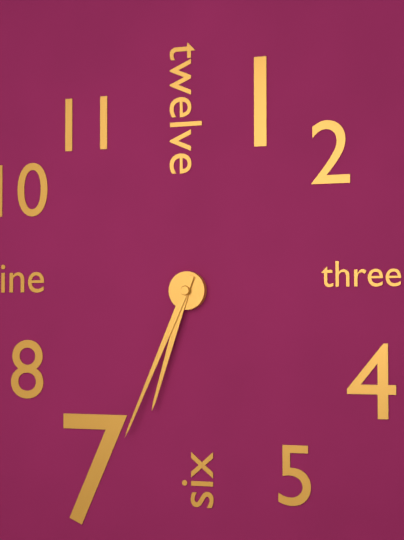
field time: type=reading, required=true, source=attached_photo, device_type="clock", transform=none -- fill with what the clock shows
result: 6:34
